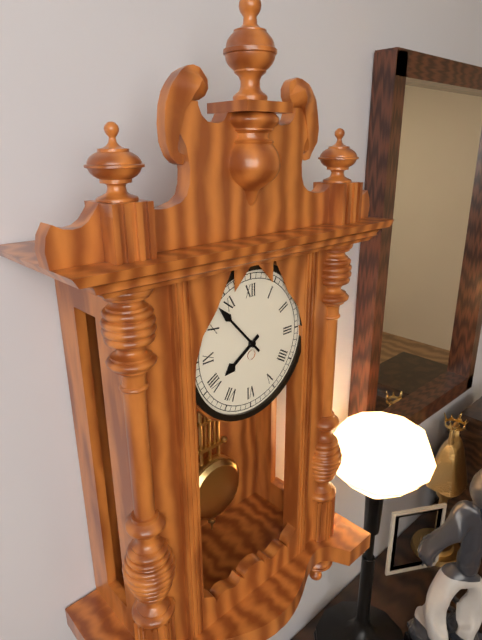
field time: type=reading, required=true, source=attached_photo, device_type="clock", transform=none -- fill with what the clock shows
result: 7:53
